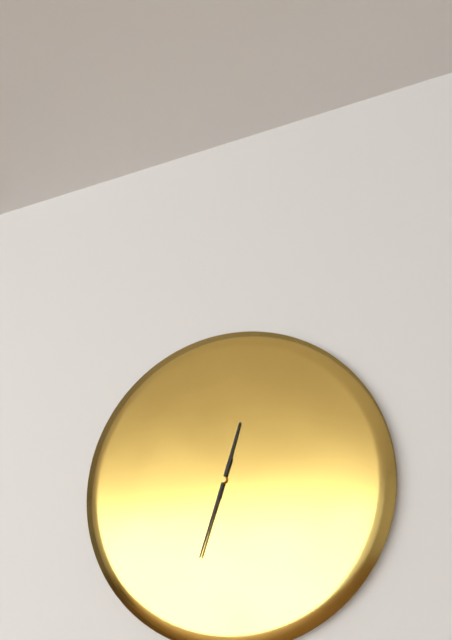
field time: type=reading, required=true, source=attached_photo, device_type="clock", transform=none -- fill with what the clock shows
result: 12:33
